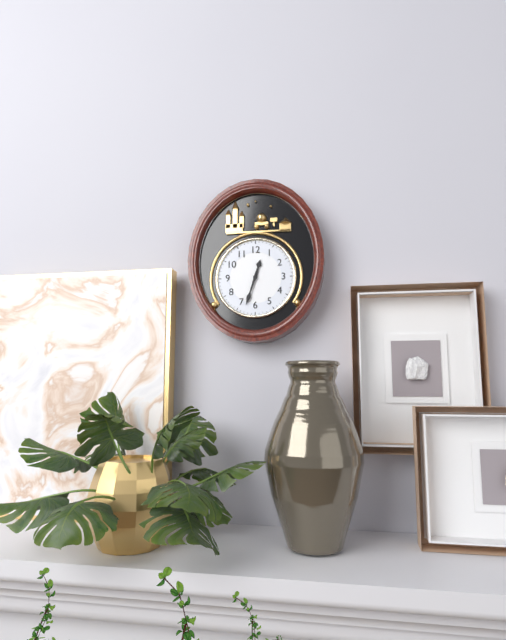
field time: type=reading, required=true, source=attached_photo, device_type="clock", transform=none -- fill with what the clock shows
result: 12:33
